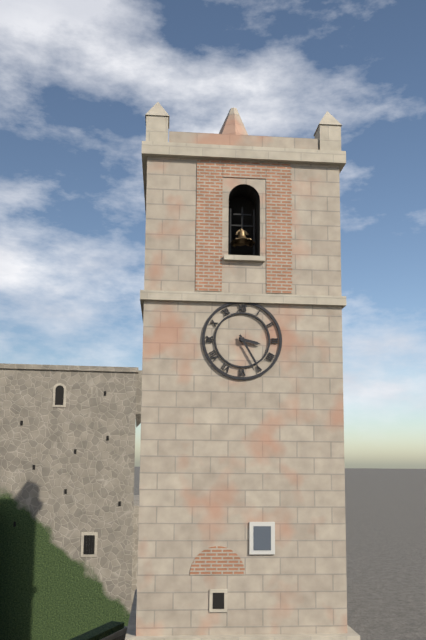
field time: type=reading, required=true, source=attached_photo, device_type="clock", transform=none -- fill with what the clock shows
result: 3:25
